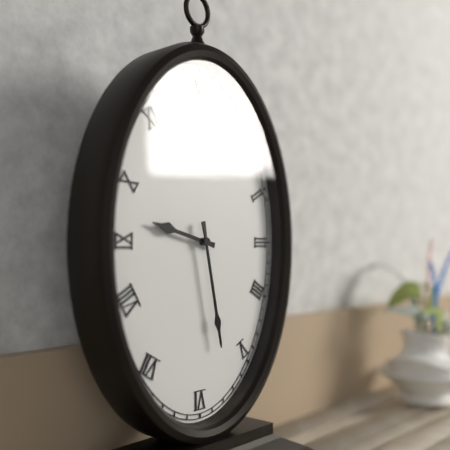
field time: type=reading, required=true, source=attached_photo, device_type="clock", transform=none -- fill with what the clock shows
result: 9:28
